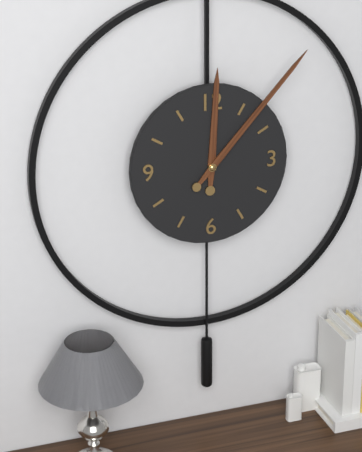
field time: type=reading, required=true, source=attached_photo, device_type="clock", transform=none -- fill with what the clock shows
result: 12:07
